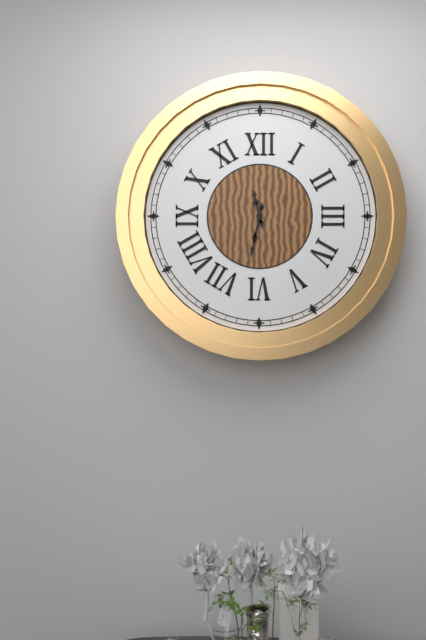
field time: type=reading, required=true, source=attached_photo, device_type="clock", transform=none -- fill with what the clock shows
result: 11:32
